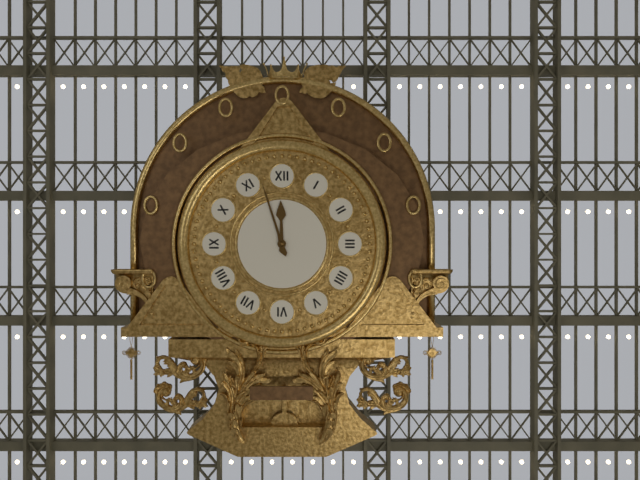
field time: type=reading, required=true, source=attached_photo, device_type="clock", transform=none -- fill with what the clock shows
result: 11:57
